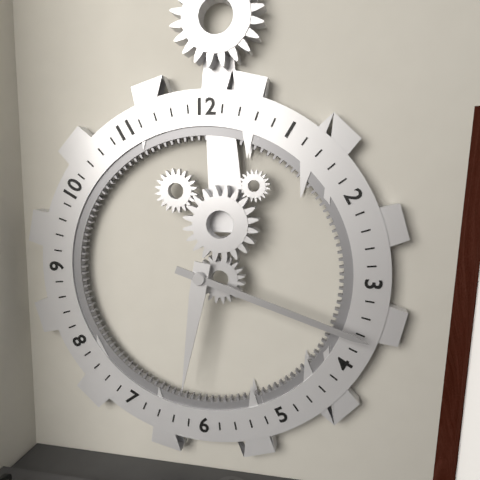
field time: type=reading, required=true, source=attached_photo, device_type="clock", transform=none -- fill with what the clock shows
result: 6:18
